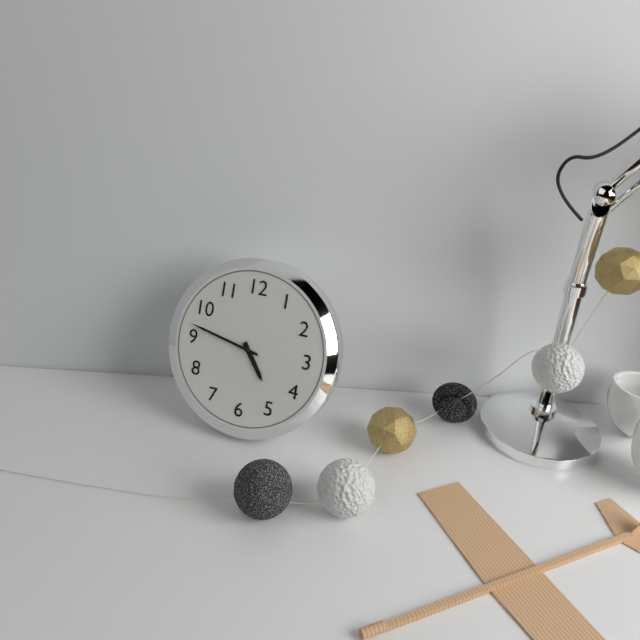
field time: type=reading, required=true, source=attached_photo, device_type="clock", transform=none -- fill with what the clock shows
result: 4:47
